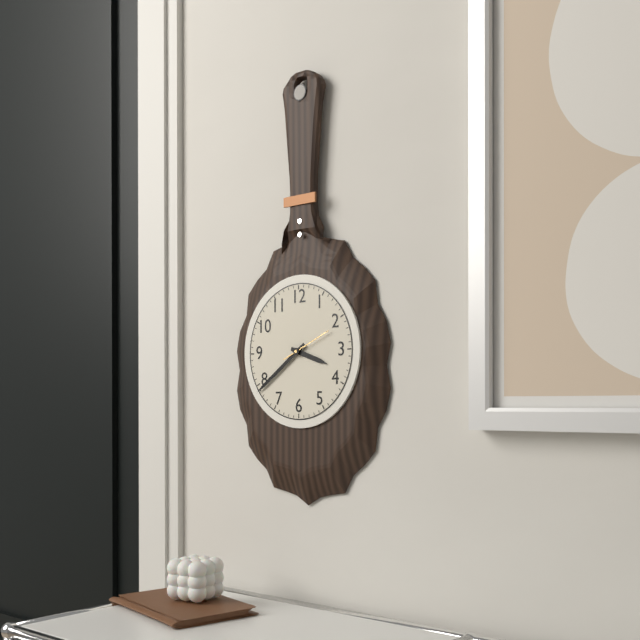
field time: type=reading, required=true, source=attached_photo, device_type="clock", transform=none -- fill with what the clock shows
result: 3:39
